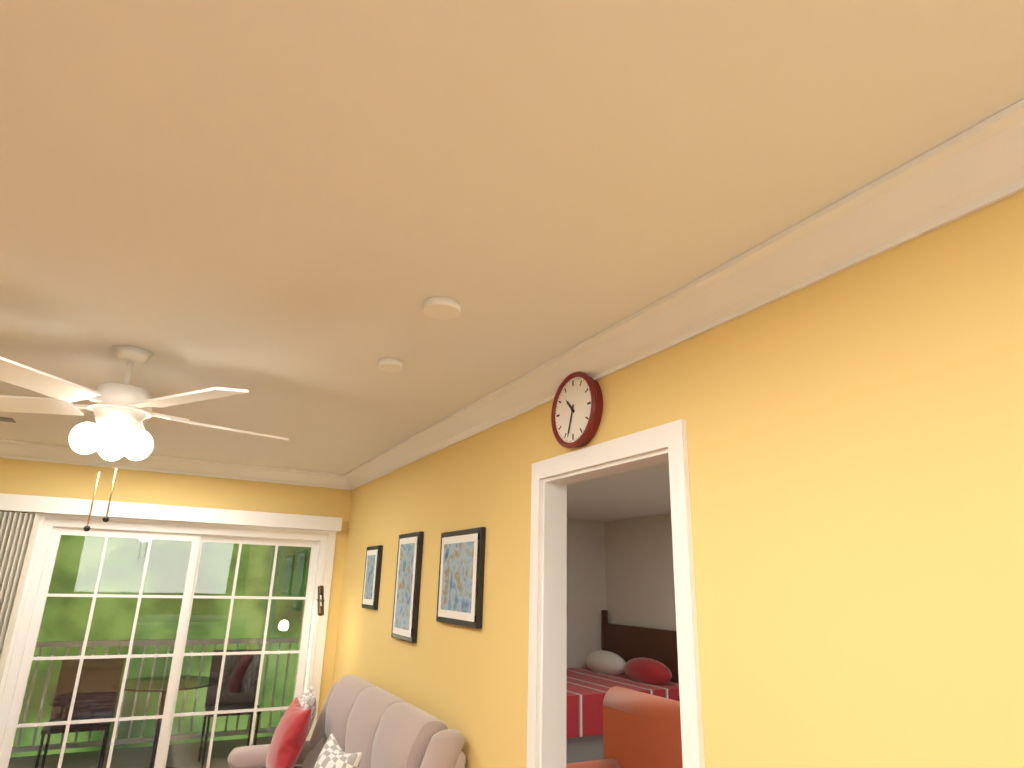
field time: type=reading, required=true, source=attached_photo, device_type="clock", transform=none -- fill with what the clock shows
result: 10:33
